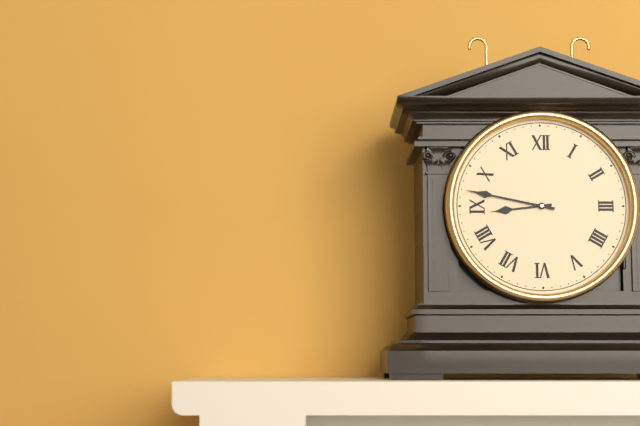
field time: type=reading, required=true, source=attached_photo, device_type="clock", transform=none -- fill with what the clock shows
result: 8:47
